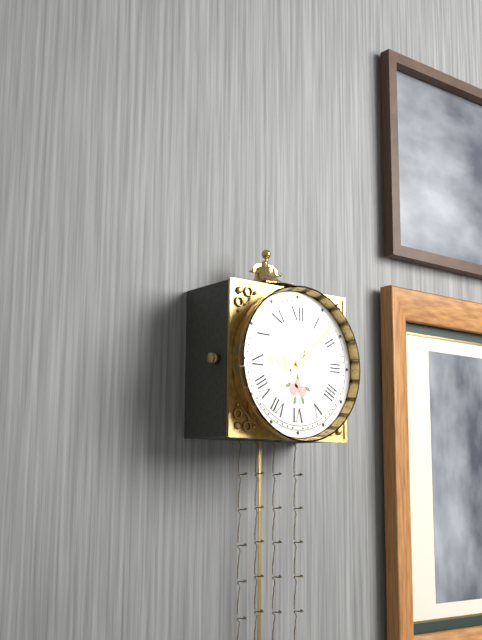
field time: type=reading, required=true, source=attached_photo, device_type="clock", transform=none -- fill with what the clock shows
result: 9:08
